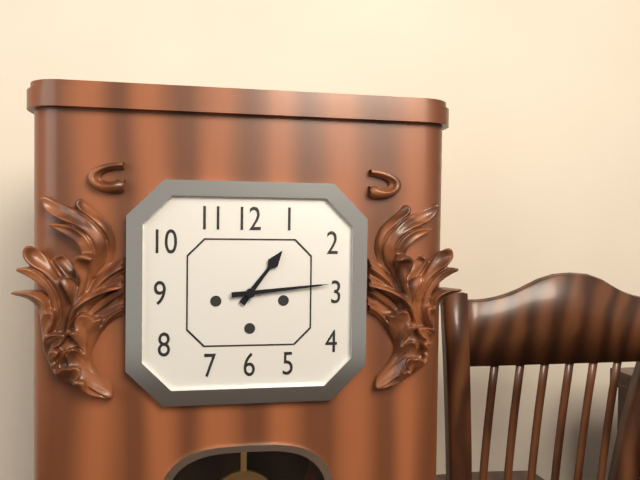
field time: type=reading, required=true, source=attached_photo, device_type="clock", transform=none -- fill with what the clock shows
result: 1:14
